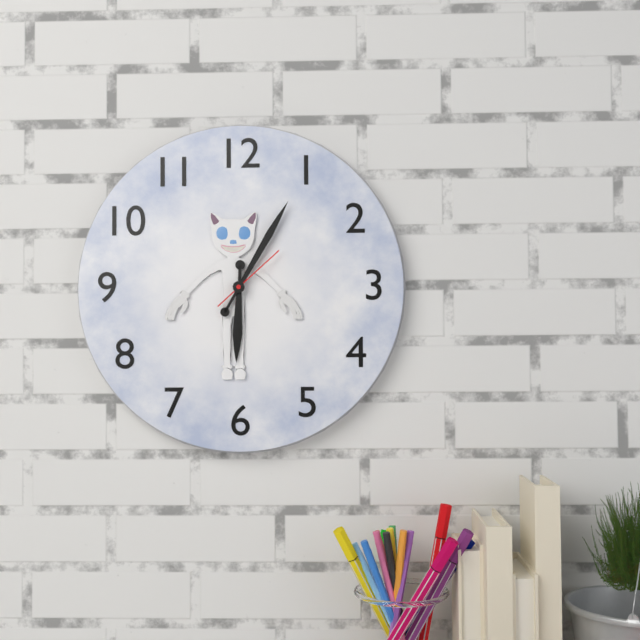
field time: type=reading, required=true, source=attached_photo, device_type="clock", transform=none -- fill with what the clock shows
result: 6:05:08
